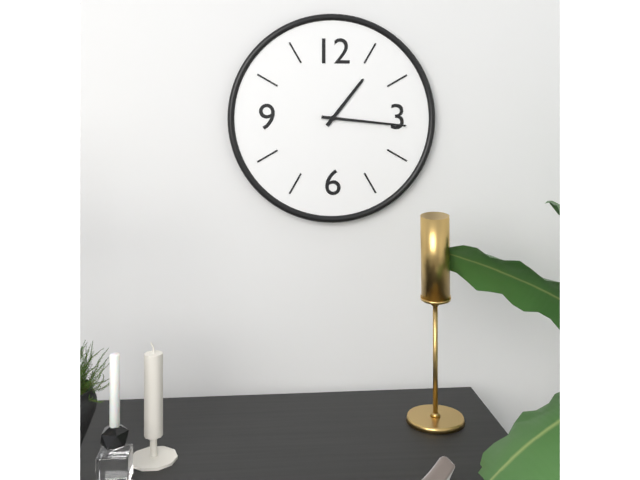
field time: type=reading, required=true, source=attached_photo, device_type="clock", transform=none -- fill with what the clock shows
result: 1:16
